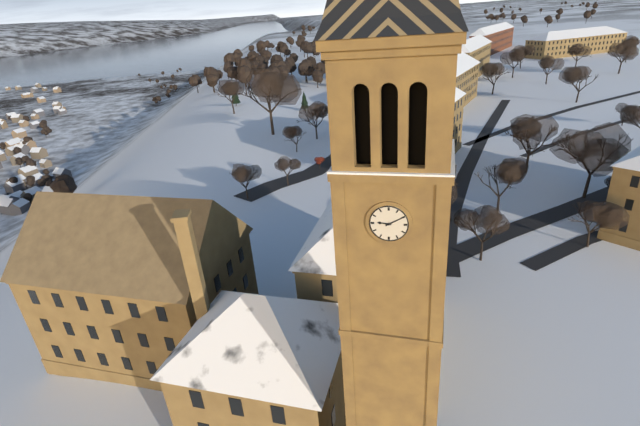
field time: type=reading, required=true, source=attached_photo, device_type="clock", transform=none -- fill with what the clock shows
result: 9:10
